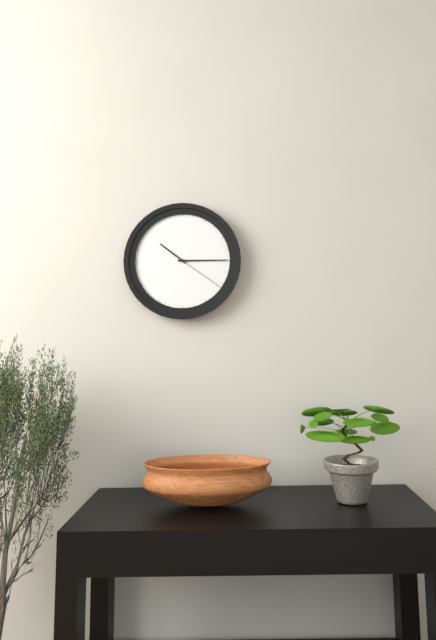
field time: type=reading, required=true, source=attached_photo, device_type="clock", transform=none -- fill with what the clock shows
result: 10:15:21
